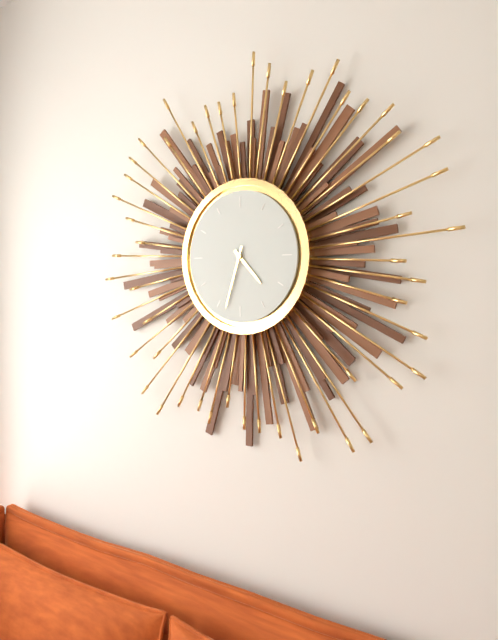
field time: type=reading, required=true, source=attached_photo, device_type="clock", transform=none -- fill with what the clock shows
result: 4:33
